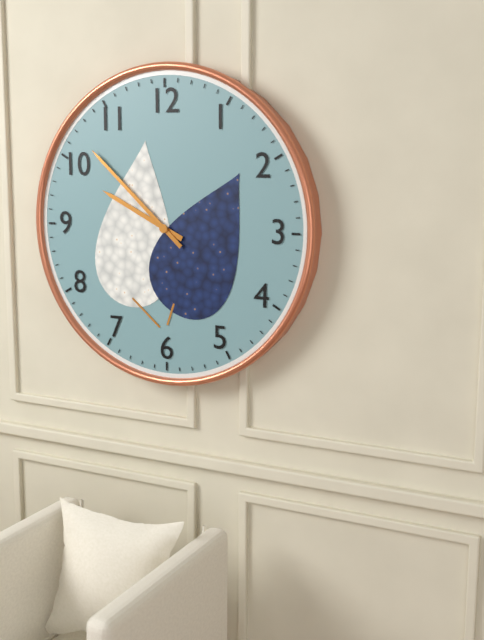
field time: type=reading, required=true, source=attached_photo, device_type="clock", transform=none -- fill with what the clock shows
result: 9:52
